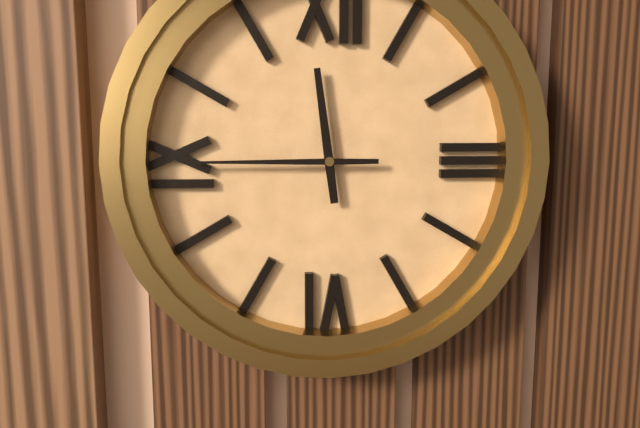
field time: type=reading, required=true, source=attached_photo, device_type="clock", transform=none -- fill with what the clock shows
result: 11:45
